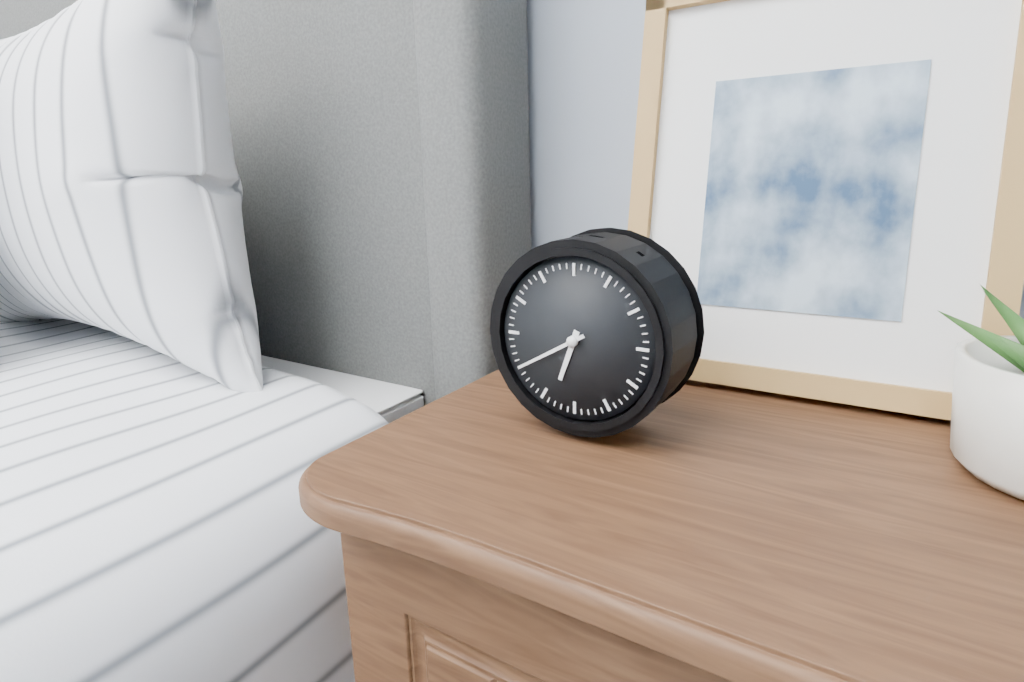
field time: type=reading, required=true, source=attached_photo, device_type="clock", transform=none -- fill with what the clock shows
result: 6:40
